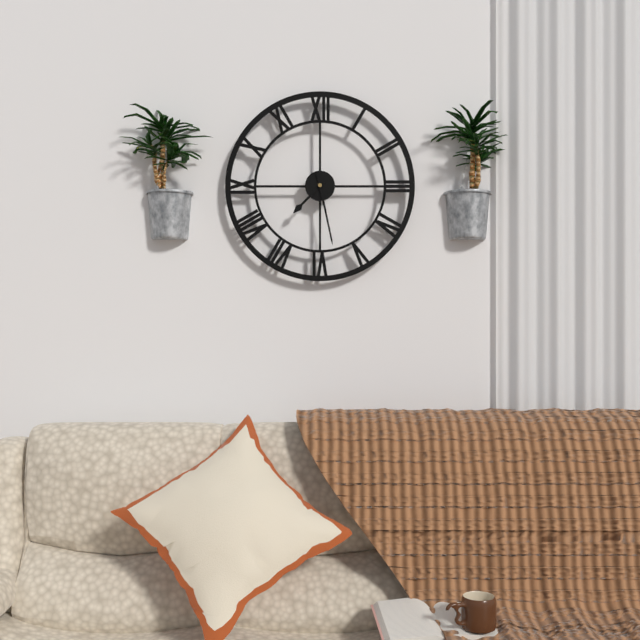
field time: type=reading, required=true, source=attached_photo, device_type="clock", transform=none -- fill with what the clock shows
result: 7:28
